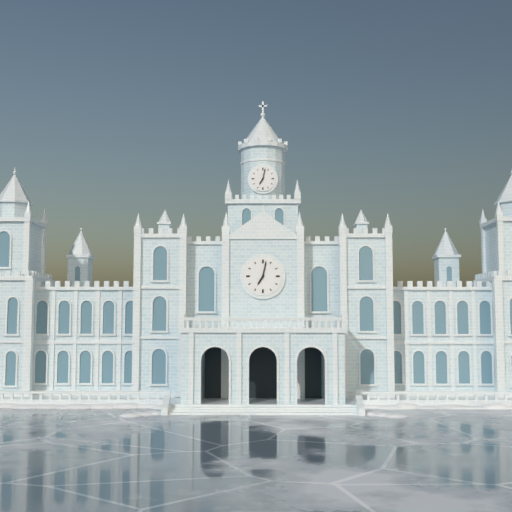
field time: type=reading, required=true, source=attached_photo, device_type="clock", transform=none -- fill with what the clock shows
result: 7:02
